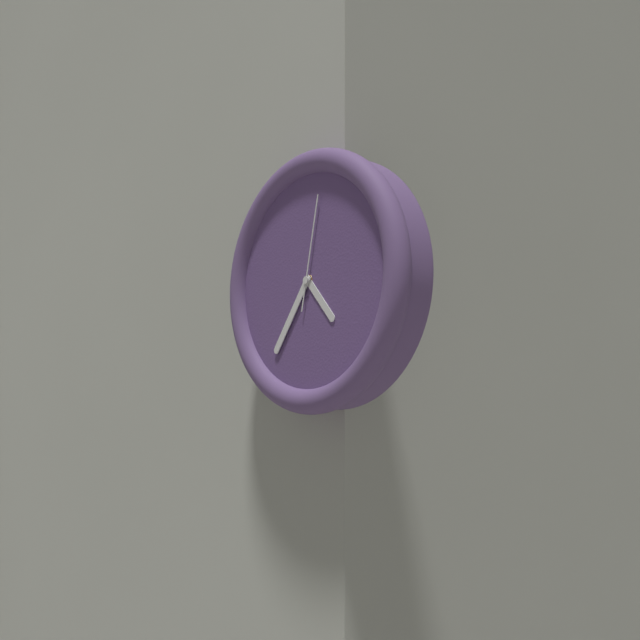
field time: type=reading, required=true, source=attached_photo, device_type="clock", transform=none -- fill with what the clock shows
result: 4:36:02
